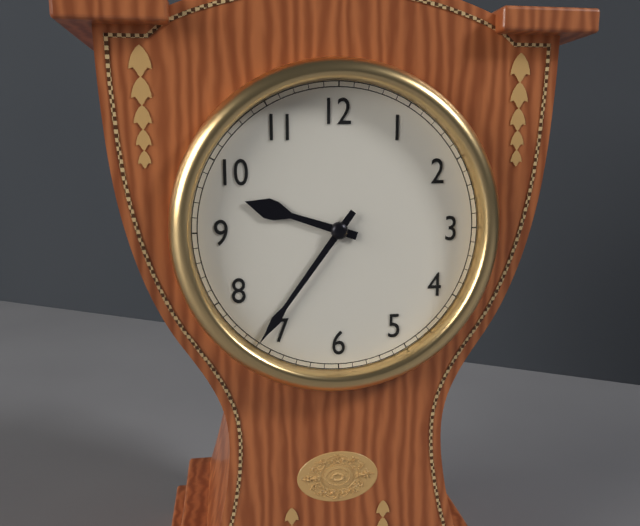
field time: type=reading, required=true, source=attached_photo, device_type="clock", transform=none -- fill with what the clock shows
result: 9:36
